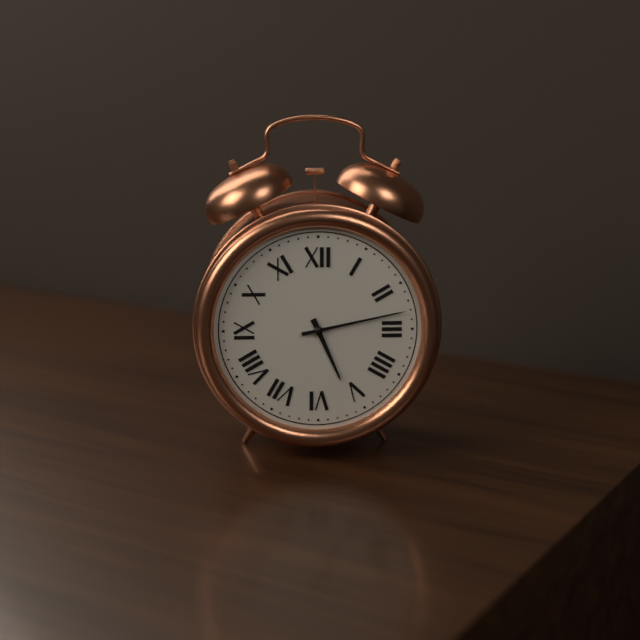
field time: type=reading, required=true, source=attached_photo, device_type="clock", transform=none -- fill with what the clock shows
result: 5:13
